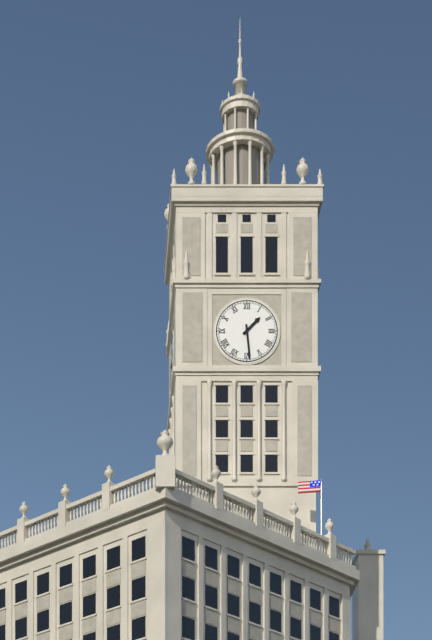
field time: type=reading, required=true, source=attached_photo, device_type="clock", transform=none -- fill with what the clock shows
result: 1:29
